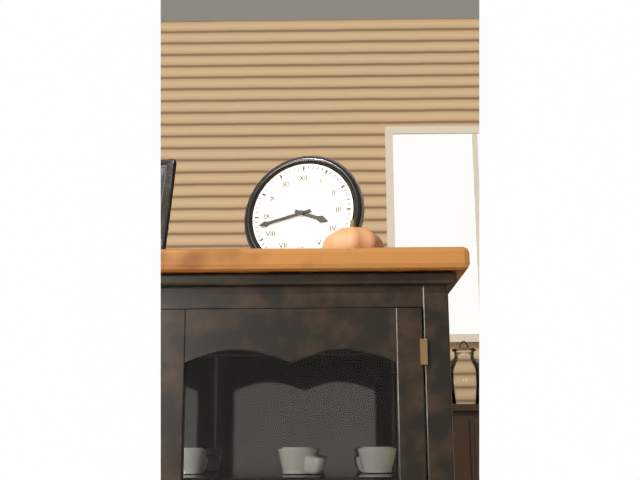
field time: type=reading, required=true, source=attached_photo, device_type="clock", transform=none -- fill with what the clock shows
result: 3:43
